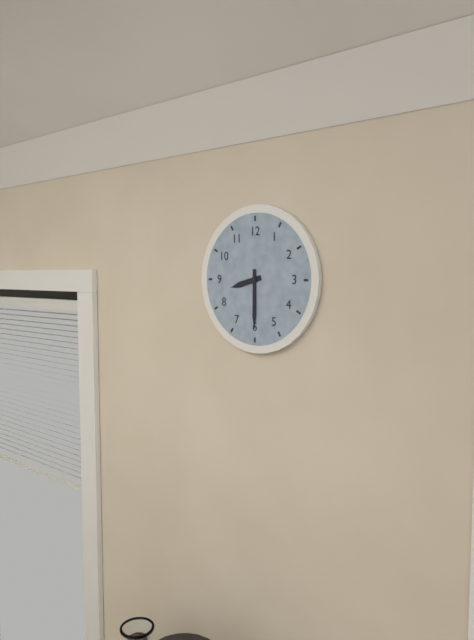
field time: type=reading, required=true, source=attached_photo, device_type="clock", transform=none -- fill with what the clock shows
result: 8:30
